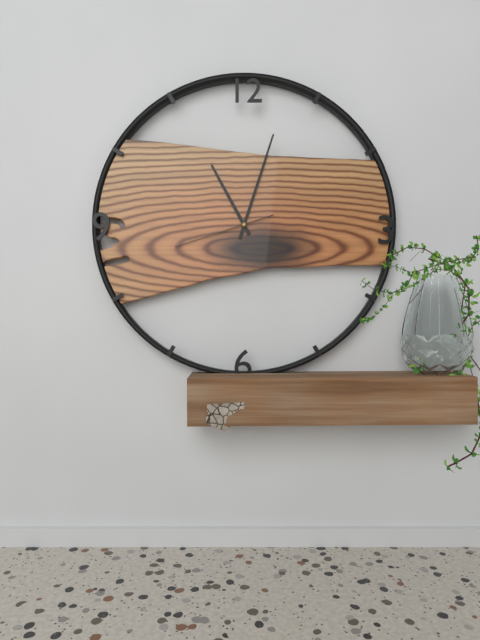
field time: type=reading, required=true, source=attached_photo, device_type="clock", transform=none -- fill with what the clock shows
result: 11:03:42
